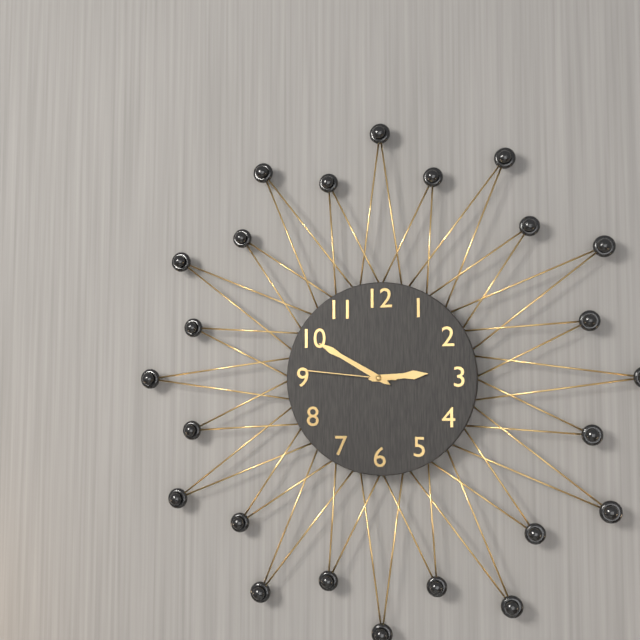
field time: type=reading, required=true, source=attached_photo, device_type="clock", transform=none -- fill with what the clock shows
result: 2:50:46
